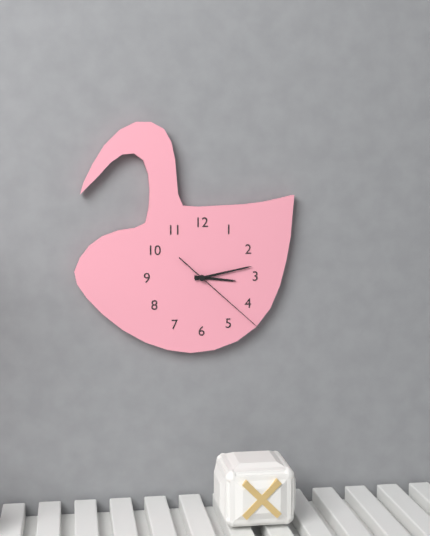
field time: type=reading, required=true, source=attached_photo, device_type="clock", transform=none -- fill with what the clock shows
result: 3:13:22
